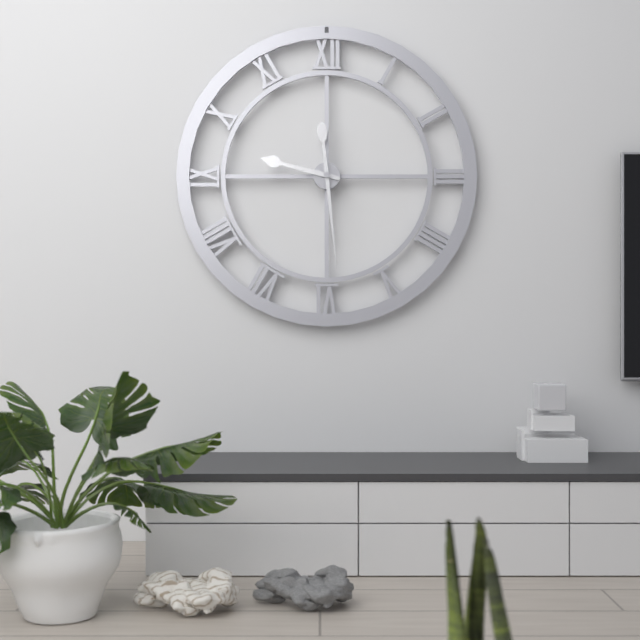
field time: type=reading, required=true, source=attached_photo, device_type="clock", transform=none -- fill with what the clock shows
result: 9:29
